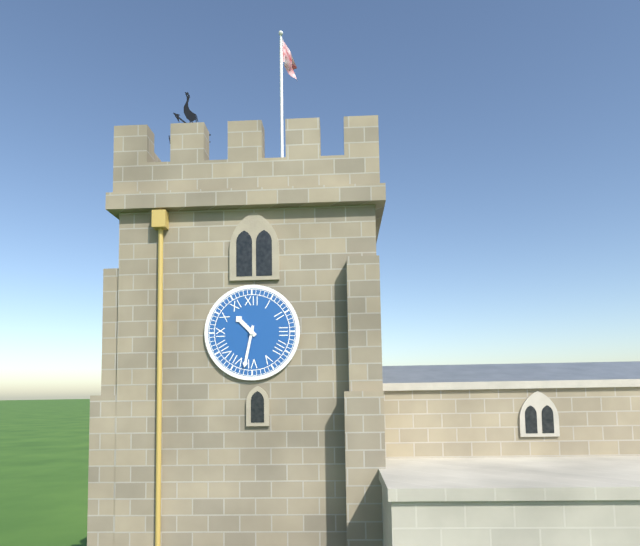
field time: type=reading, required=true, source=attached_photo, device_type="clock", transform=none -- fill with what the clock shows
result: 10:32
